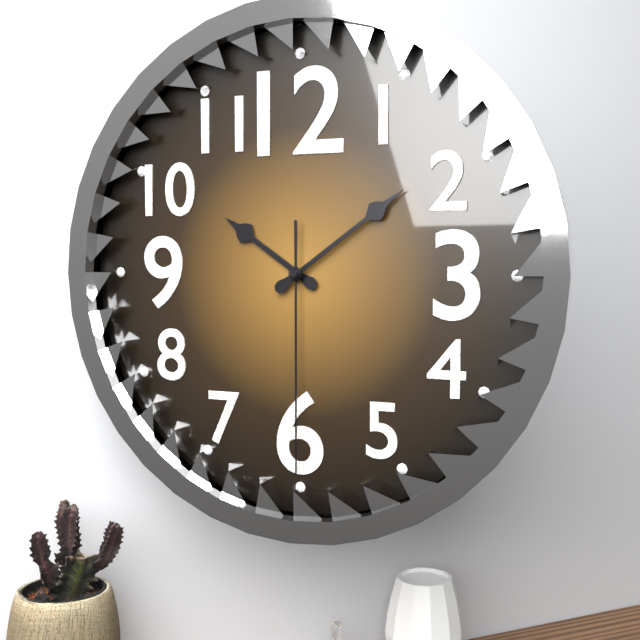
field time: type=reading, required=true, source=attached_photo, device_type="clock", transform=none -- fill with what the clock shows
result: 10:09:30
